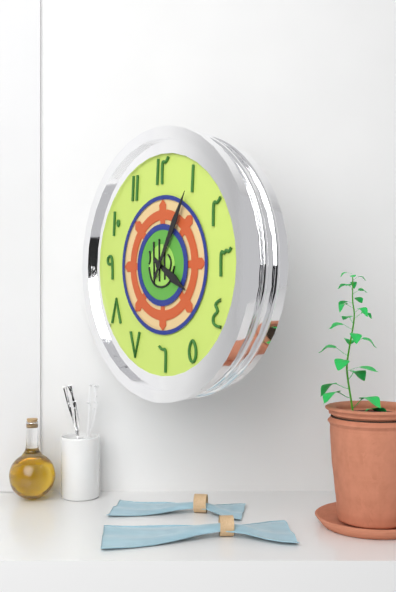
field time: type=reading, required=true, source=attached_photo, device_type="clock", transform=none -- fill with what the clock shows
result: 4:05
